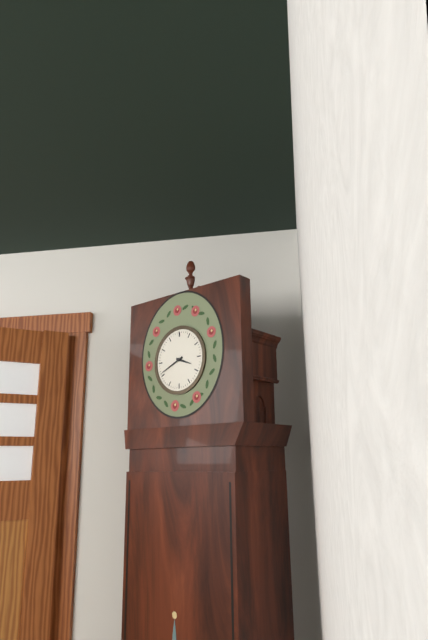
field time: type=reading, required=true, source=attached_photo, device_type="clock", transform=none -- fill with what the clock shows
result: 3:41
